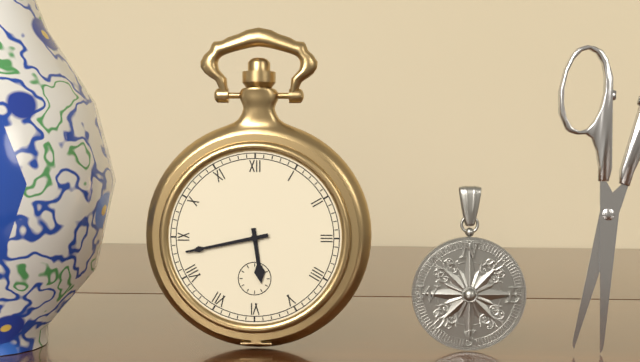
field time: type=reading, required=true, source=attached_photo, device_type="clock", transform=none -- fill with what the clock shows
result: 5:43
